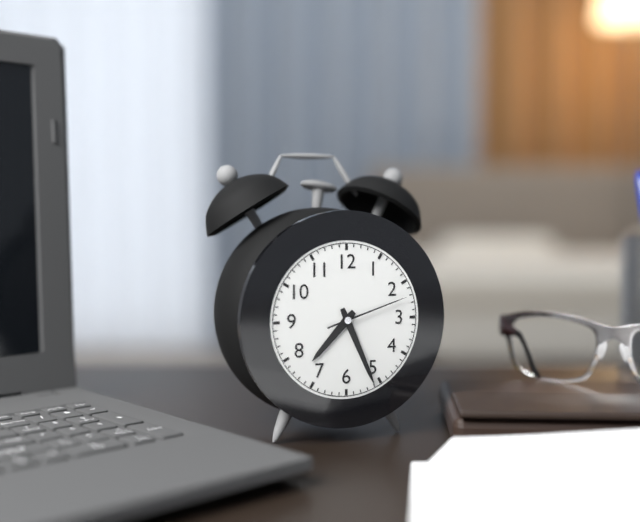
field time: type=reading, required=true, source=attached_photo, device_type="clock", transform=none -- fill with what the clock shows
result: 7:26:12
